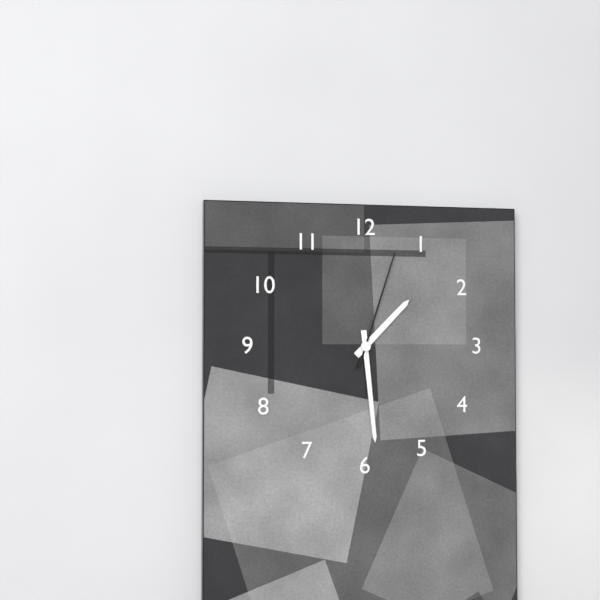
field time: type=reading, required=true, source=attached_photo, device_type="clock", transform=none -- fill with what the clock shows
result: 1:29:03
